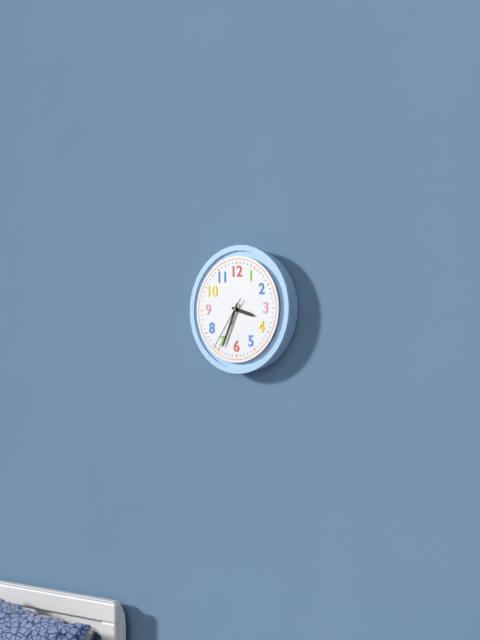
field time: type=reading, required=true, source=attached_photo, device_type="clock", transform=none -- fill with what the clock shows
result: 3:34:36
